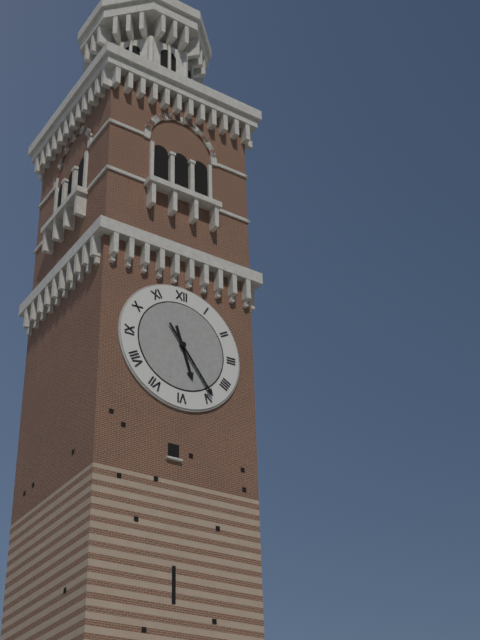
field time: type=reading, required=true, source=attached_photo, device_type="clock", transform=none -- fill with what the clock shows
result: 5:24
